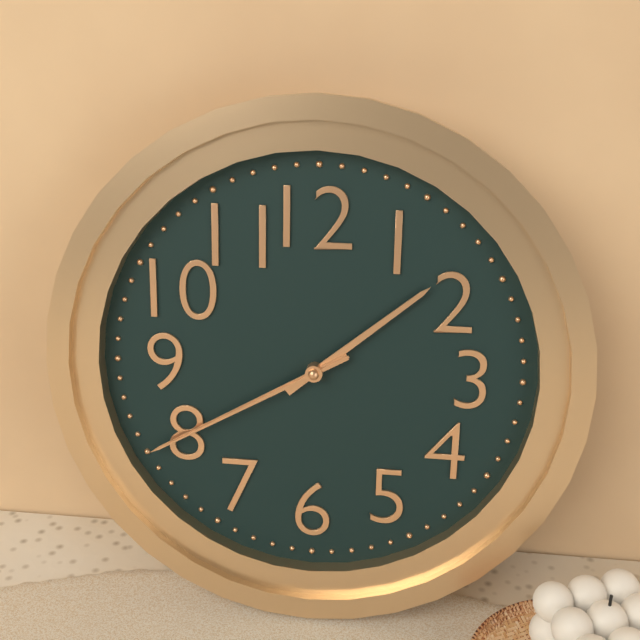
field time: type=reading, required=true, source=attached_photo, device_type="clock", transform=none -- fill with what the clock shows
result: 1:40:40
